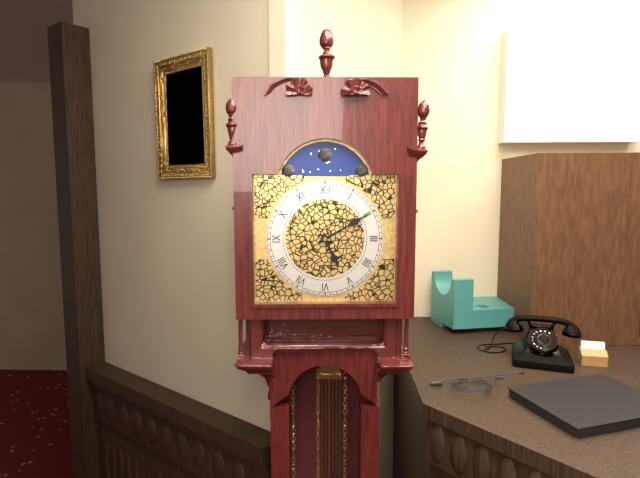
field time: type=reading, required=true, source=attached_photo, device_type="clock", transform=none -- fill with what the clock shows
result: 5:10
